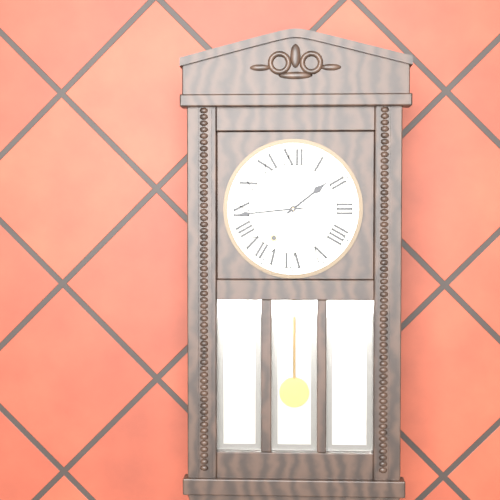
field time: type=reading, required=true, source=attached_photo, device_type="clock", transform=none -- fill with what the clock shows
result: 1:44
